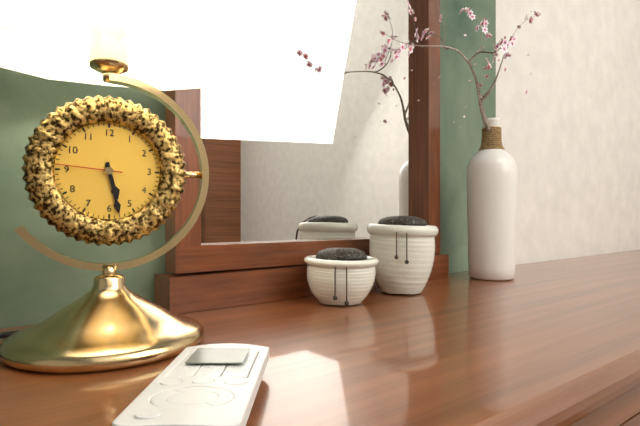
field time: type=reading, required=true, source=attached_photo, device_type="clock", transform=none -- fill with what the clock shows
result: 5:28:46
